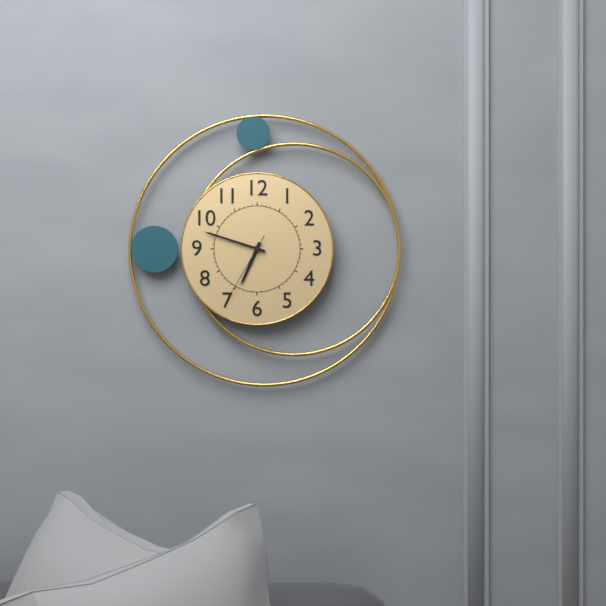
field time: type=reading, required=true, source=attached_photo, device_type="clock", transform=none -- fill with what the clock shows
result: 6:48:35
